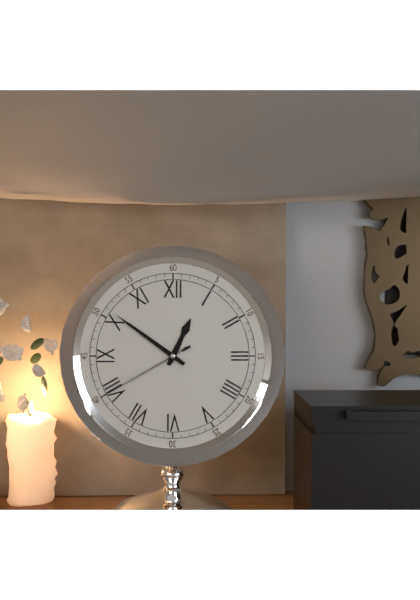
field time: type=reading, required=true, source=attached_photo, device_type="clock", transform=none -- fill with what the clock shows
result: 12:51:40
